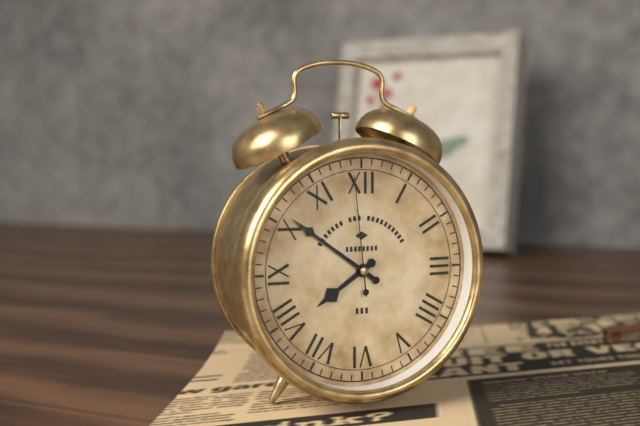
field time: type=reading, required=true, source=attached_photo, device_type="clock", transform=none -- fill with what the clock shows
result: 7:51:59
